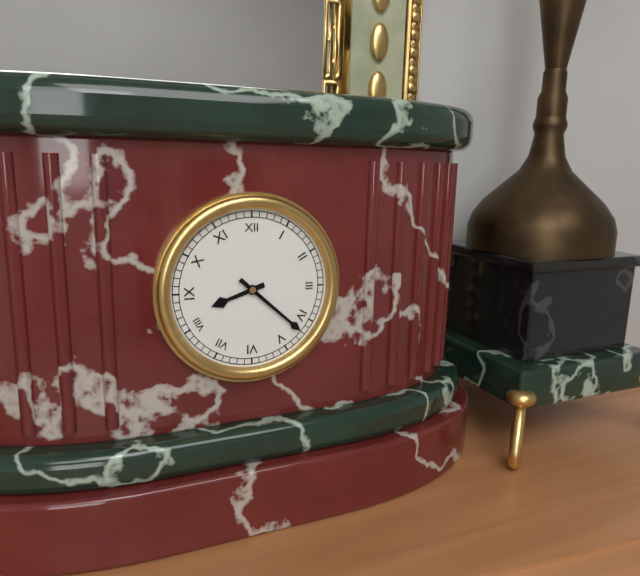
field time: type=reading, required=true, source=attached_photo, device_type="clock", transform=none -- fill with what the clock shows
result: 8:22
